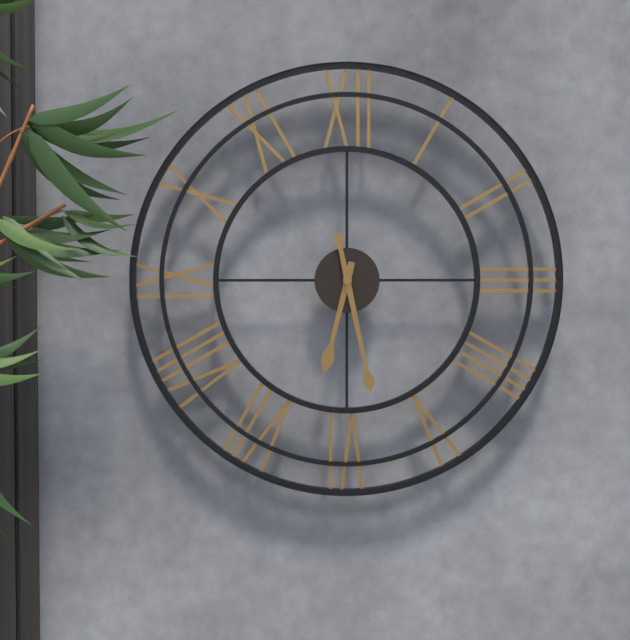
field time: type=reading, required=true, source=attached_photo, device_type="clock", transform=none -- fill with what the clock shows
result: 6:28
